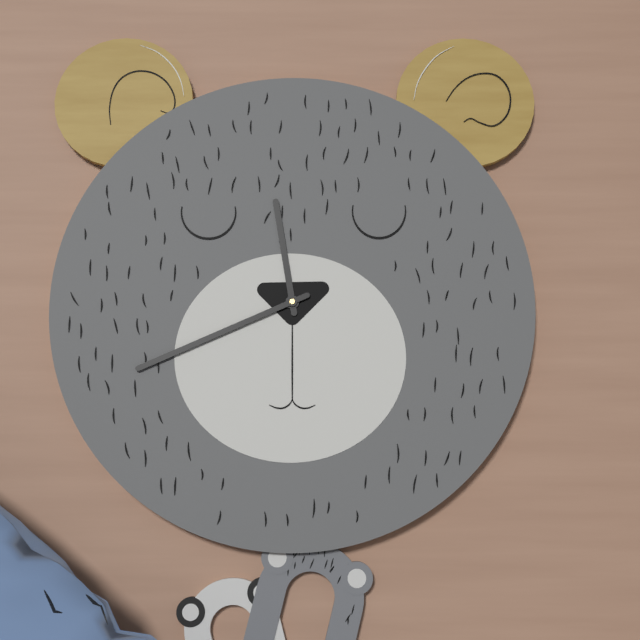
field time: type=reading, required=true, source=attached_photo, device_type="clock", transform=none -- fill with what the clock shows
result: 11:41
